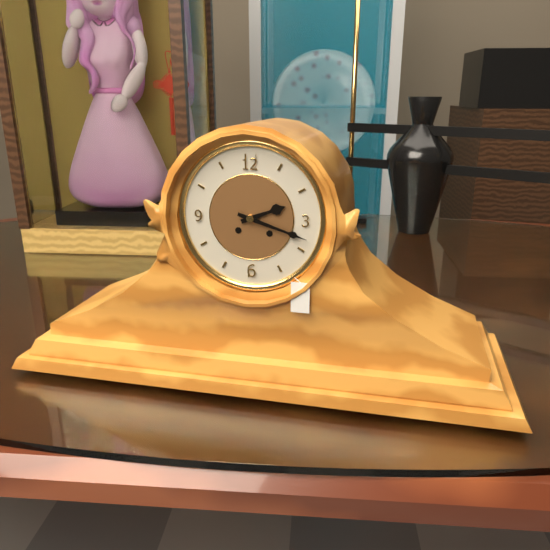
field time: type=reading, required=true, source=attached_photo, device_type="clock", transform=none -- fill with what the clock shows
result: 2:18
